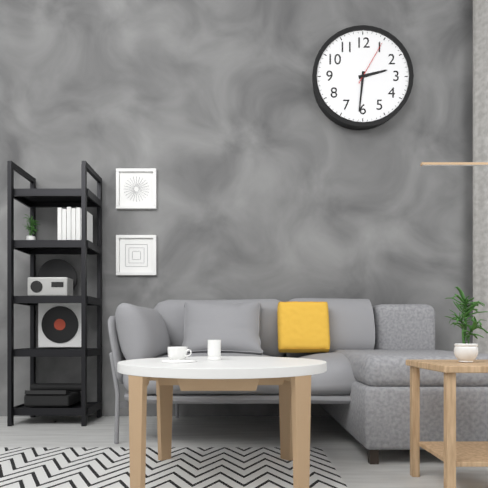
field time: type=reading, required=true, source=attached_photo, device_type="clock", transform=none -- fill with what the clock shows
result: 2:31
